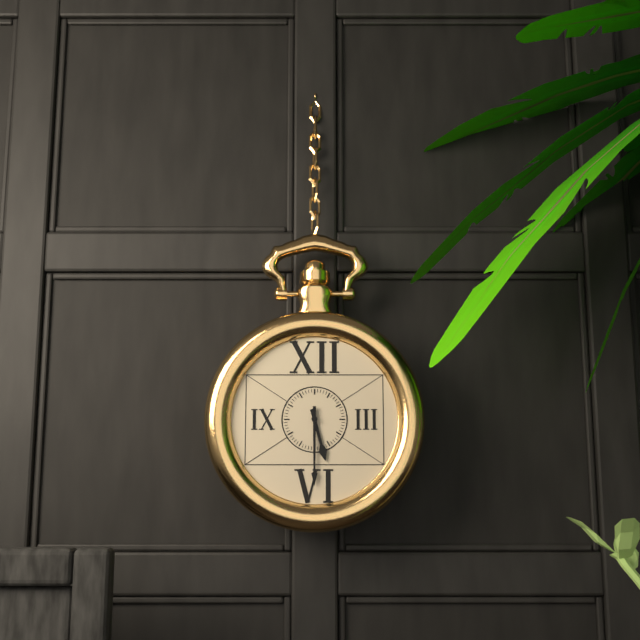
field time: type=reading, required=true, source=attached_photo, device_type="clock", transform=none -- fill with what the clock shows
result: 5:30
